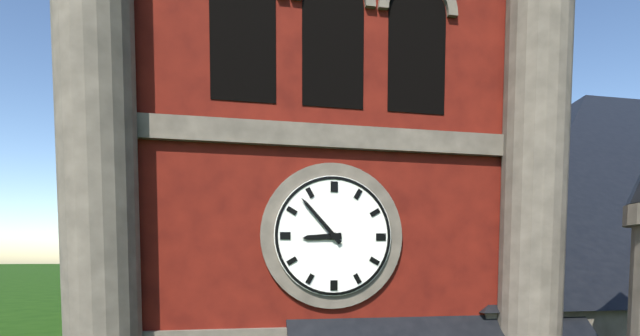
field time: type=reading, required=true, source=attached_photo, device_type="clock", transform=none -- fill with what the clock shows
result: 8:53
